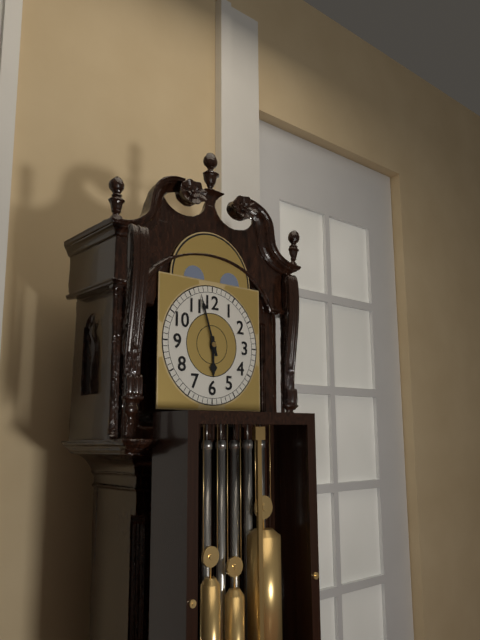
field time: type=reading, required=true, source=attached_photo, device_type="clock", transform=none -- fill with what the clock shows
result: 5:57
